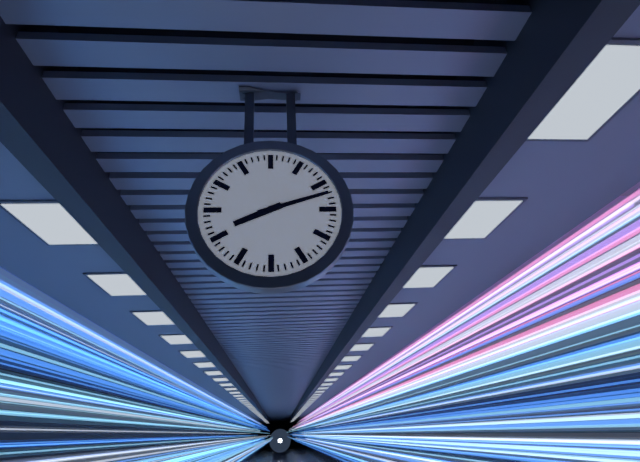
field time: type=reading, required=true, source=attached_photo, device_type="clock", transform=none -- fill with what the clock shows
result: 8:12
